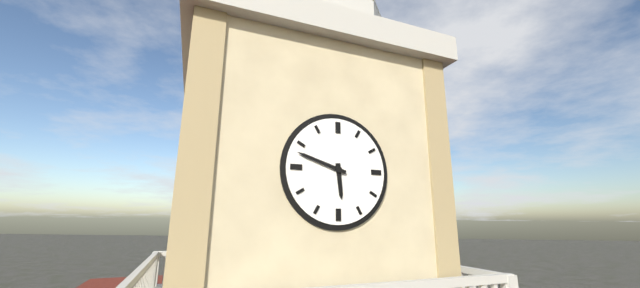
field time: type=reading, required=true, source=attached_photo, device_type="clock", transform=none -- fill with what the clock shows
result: 5:48
